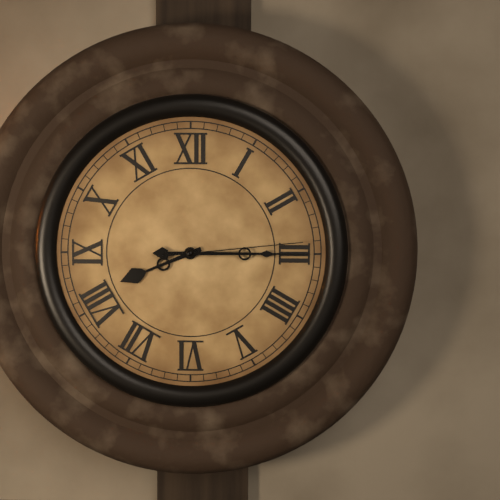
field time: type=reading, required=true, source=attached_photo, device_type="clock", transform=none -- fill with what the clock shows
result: 8:15:14
